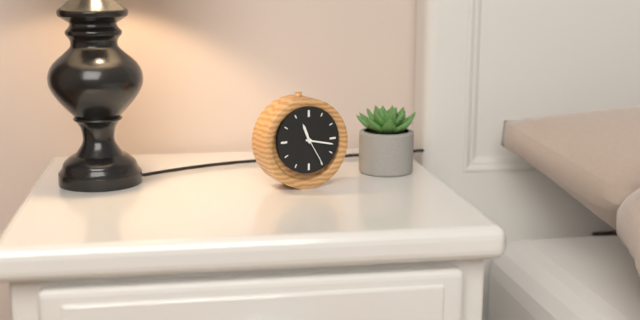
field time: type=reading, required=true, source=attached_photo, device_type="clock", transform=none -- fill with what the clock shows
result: 11:17
